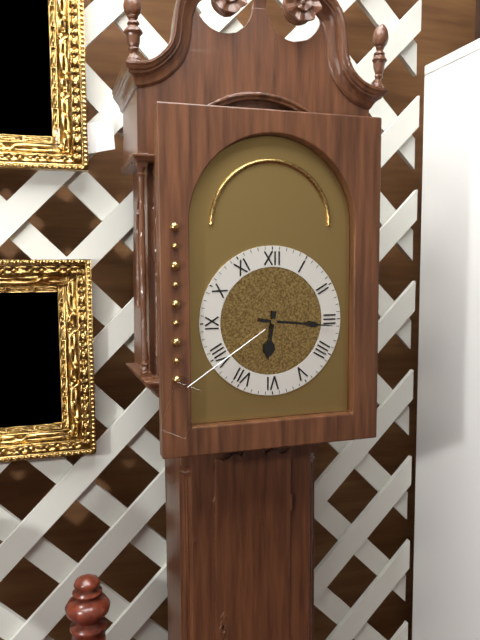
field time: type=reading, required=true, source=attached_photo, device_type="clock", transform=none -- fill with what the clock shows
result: 6:16
